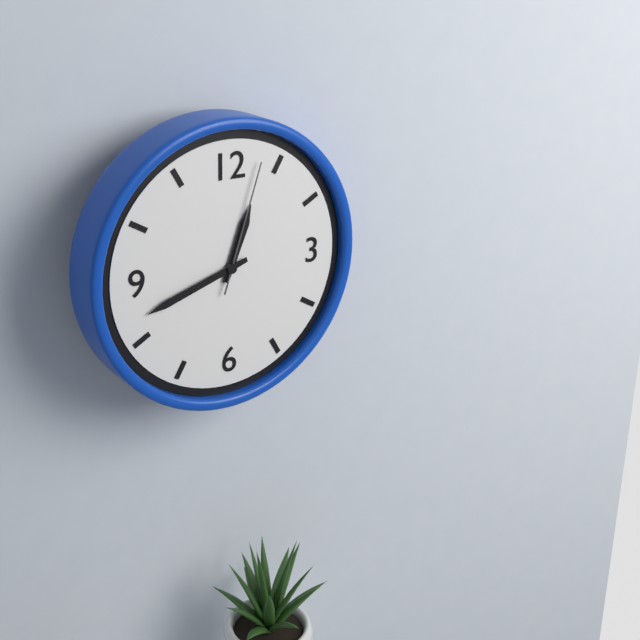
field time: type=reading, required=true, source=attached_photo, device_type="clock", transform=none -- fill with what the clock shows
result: 12:42:03
